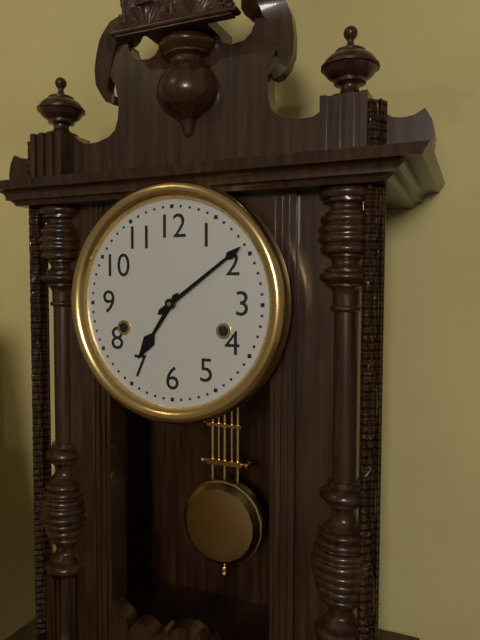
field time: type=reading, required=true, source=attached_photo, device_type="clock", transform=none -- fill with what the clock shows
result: 7:09
